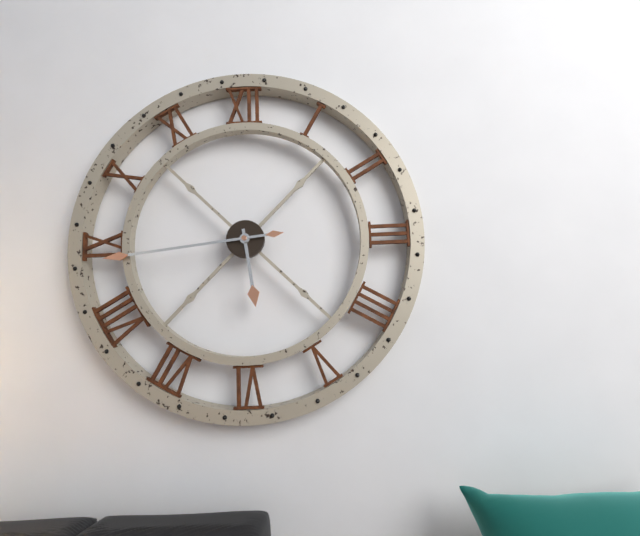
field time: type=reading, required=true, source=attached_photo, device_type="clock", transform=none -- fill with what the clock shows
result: 5:44
